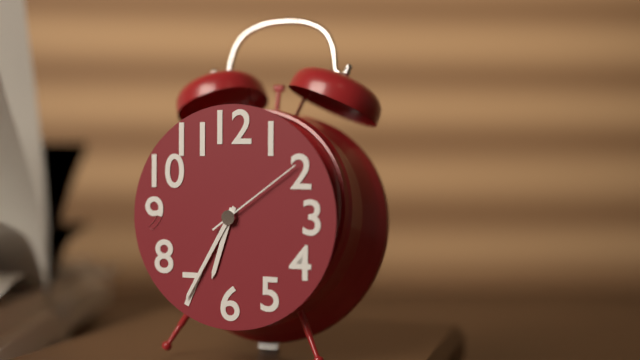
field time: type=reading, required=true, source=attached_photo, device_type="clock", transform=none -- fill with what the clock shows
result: 6:35:09
